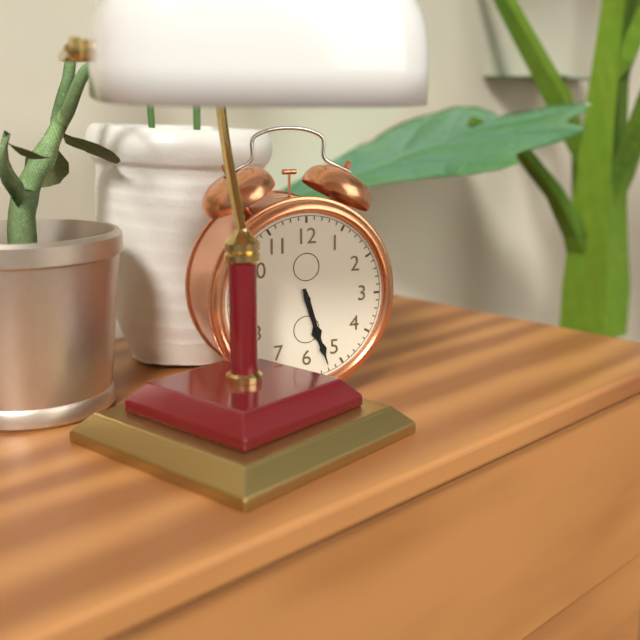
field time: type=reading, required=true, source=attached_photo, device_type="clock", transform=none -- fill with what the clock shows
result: 5:27
